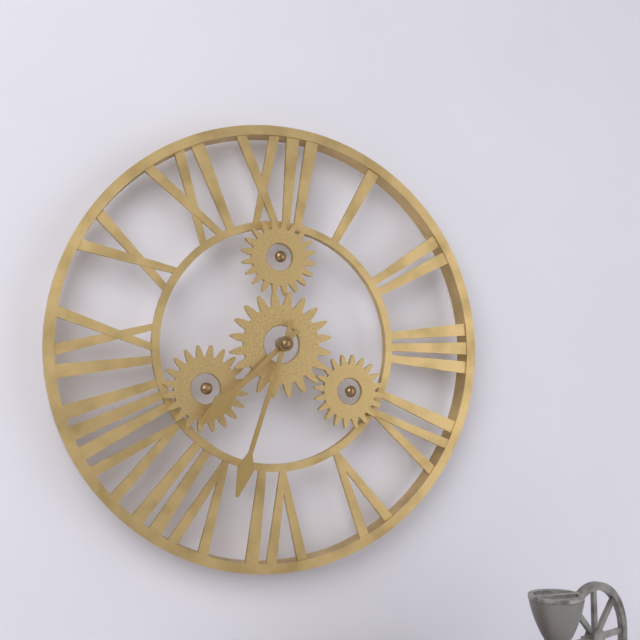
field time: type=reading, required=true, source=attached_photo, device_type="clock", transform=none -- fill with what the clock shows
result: 7:33
